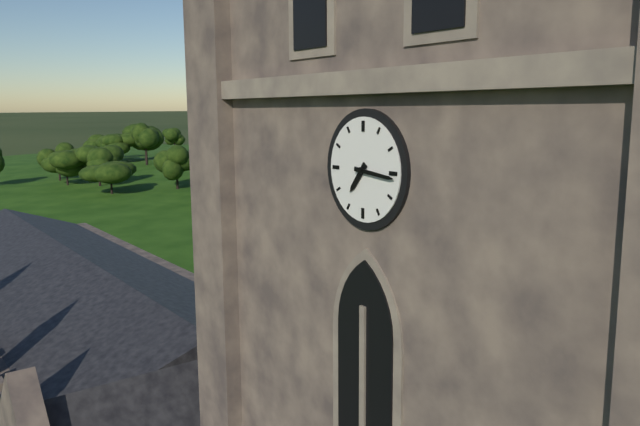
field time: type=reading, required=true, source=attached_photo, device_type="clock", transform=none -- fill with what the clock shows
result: 7:16
